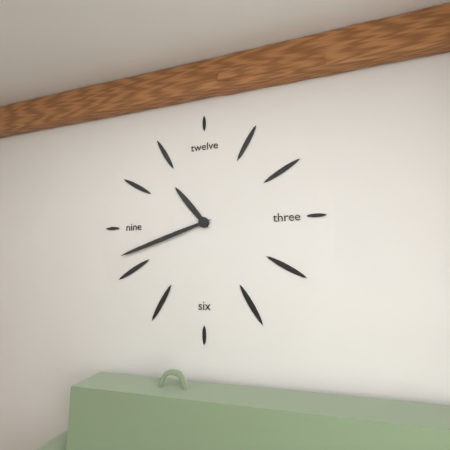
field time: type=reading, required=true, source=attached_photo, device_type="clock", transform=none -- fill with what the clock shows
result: 10:42
